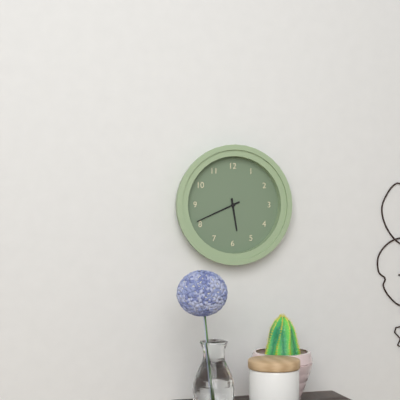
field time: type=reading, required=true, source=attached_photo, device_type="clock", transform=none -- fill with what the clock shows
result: 5:41
